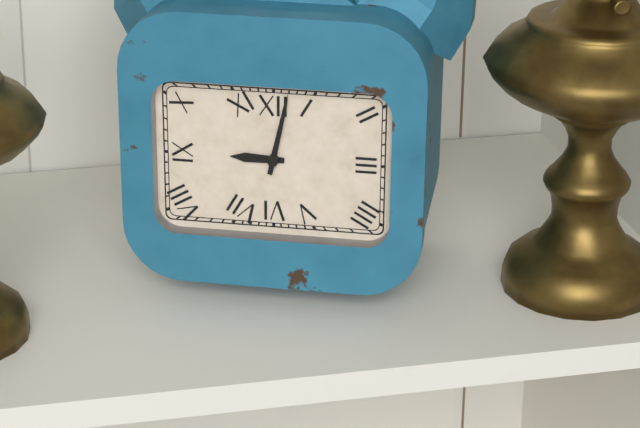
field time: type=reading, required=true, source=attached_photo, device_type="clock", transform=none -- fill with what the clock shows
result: 9:02
